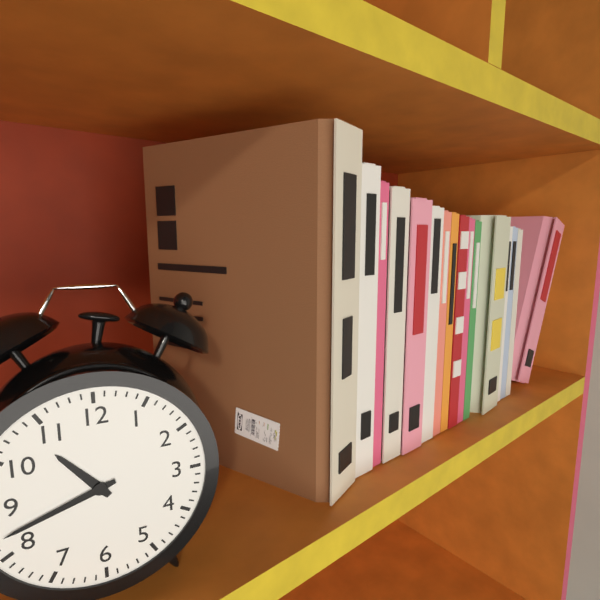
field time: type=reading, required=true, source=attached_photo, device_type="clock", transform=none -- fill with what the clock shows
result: 10:42
